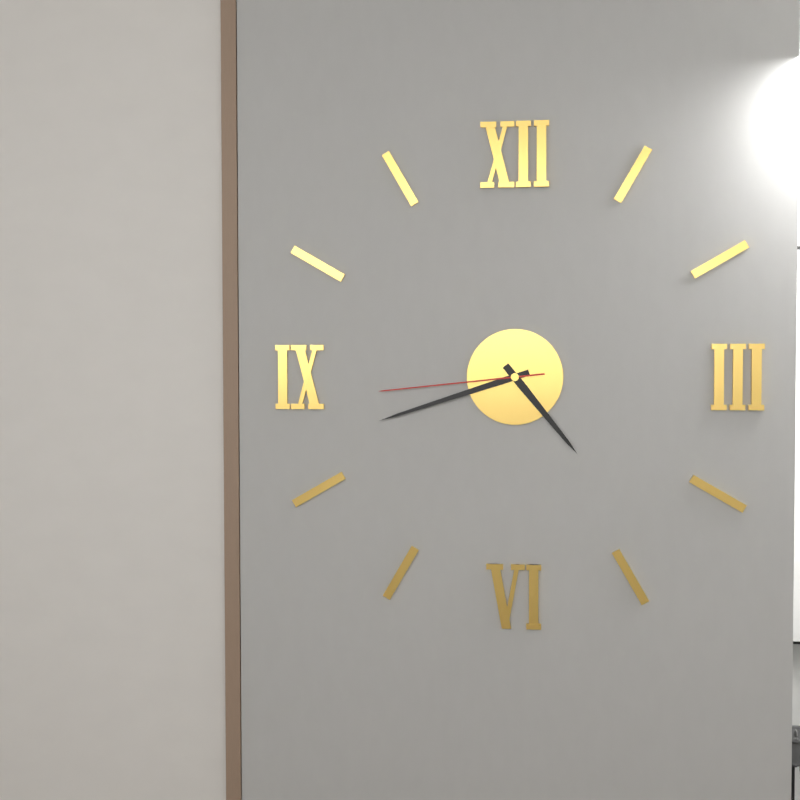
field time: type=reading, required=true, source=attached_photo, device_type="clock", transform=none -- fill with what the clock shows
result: 4:42:44
